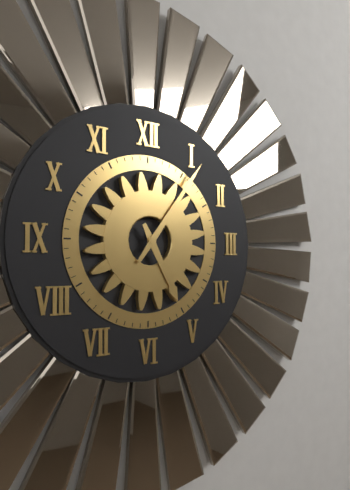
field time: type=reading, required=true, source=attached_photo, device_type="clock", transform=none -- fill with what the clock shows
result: 5:06
